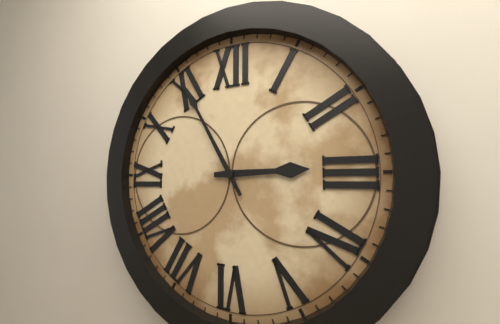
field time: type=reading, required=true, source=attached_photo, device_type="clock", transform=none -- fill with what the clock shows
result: 2:55
